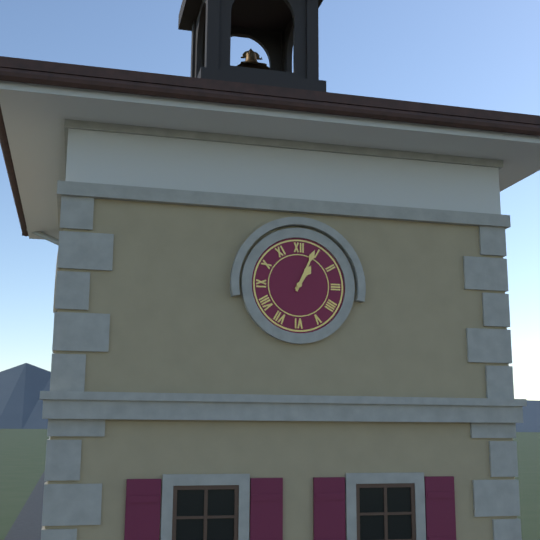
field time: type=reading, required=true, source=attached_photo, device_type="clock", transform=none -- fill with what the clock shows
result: 1:04
